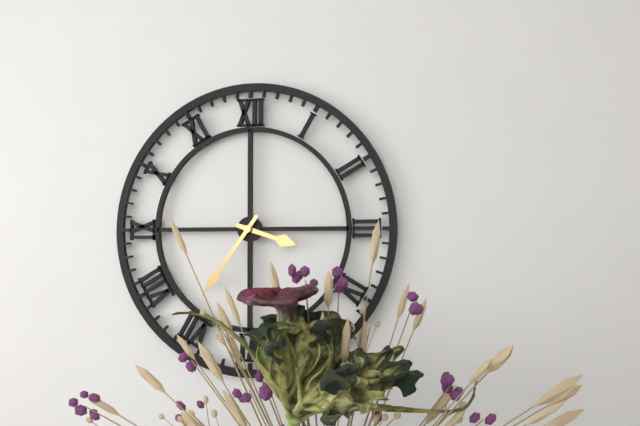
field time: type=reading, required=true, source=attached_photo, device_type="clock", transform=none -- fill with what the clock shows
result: 3:36
